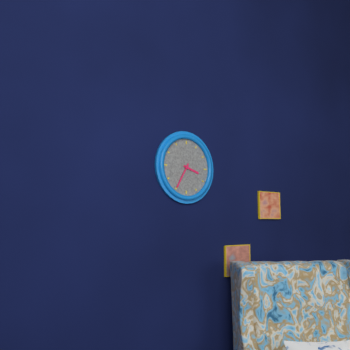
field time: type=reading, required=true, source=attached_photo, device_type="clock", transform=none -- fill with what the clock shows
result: 3:35
